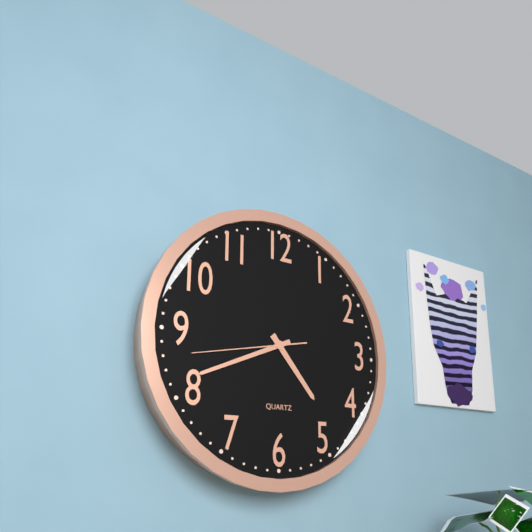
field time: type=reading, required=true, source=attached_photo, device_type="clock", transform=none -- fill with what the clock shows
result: 4:41:43
